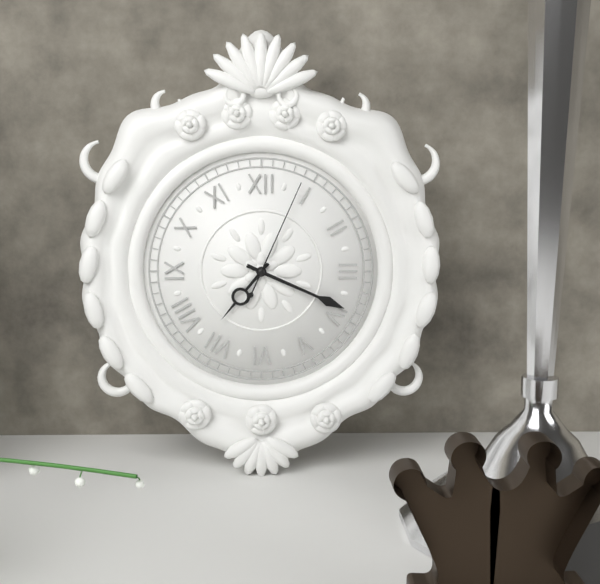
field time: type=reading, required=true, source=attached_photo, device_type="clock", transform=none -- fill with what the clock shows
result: 7:19:04
